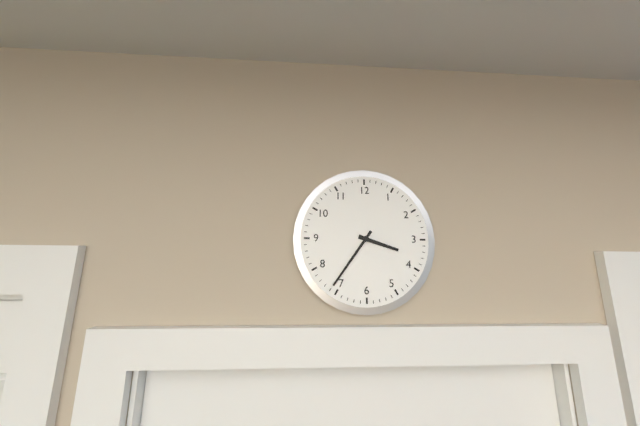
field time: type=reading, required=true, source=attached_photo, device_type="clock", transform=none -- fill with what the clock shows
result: 3:36
